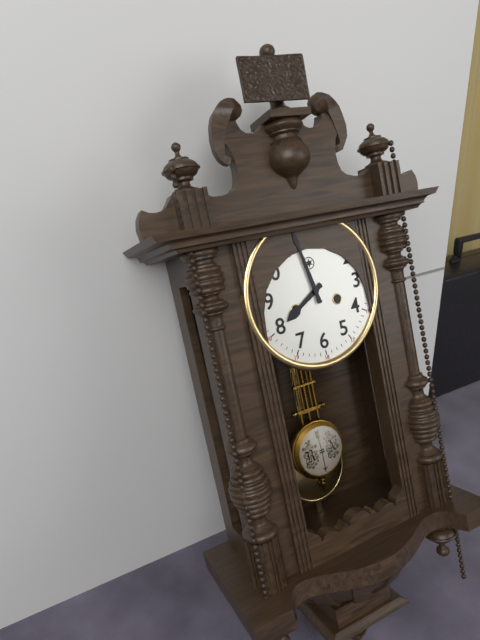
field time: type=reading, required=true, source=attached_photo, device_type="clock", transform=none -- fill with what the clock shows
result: 7:58
